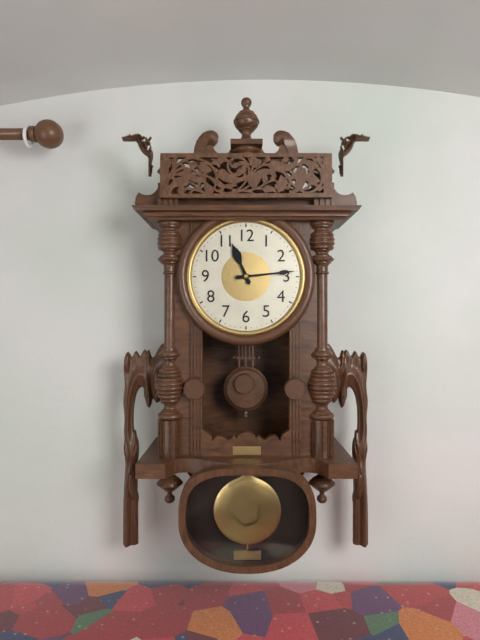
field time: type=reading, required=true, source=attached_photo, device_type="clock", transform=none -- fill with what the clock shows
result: 11:14
